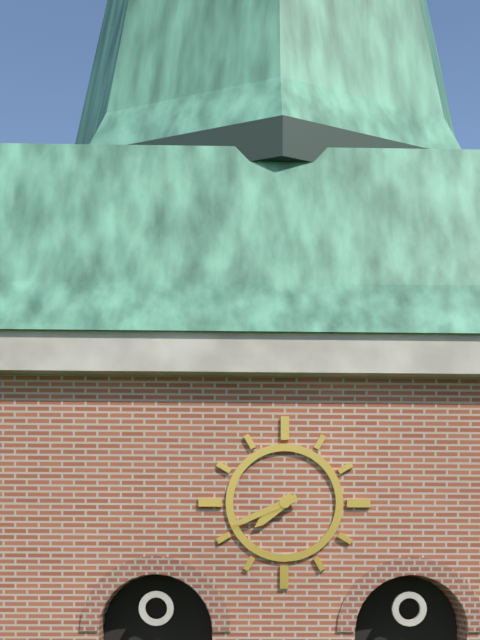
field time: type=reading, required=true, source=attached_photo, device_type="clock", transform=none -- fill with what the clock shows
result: 7:41
